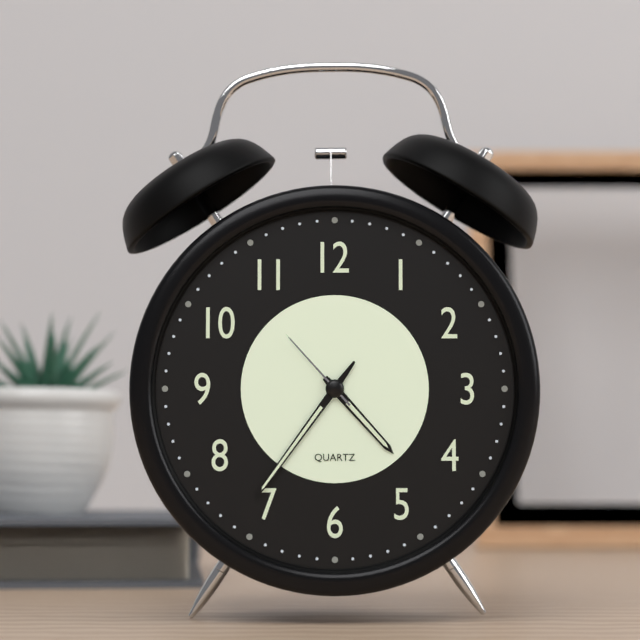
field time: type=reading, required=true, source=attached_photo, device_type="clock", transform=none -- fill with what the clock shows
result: 4:36:53
